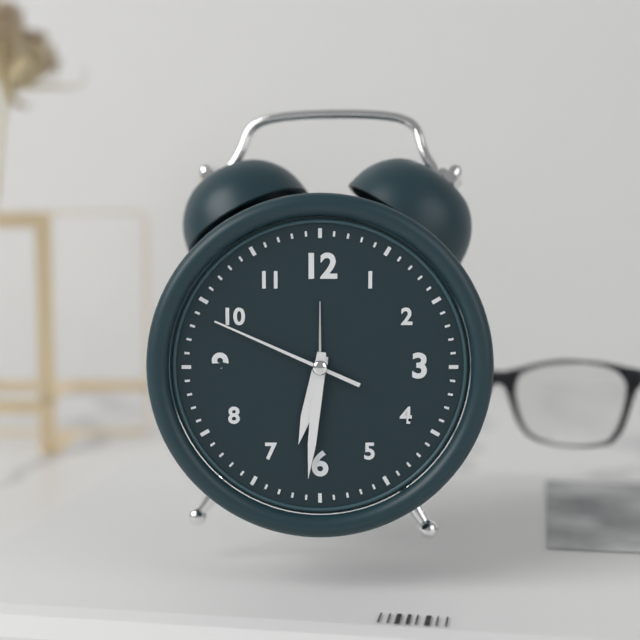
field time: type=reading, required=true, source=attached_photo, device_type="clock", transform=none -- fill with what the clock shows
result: 6:31:49
